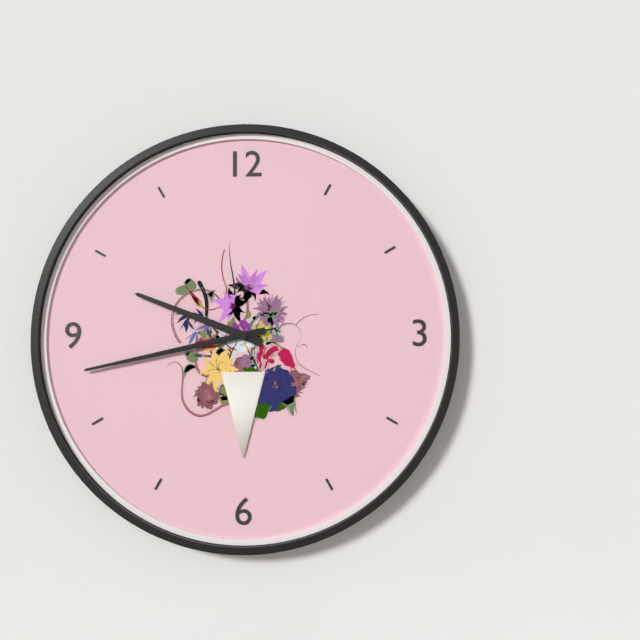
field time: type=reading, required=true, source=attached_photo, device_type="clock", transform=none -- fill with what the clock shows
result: 9:43:43
